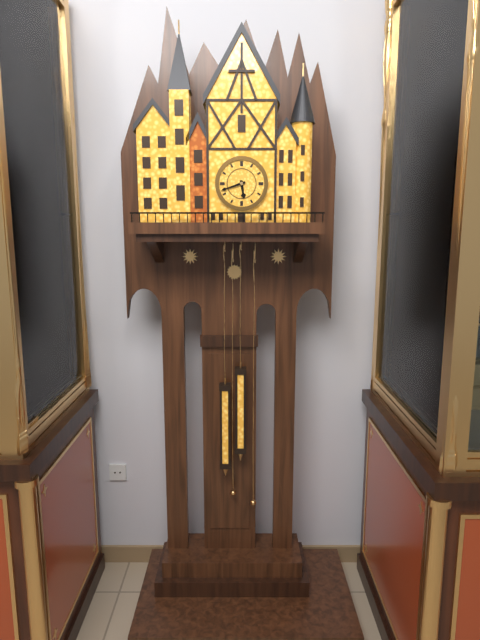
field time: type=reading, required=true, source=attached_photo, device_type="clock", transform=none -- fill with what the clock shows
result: 5:42
